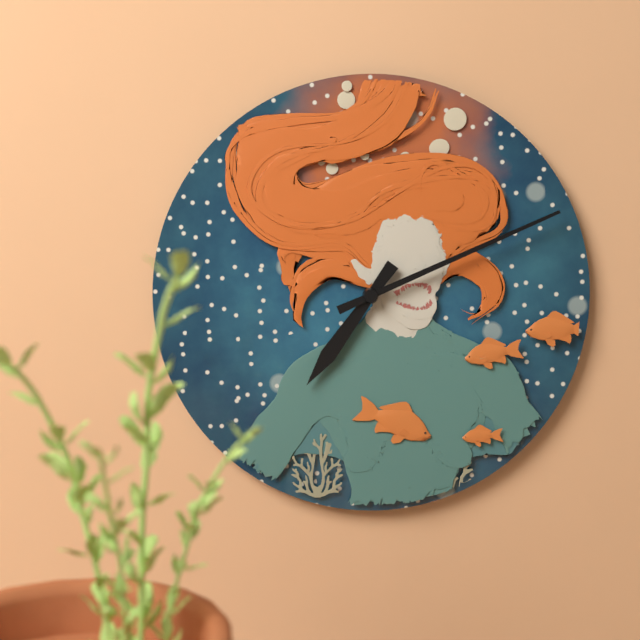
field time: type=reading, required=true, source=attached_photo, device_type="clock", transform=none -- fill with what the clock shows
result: 7:11
